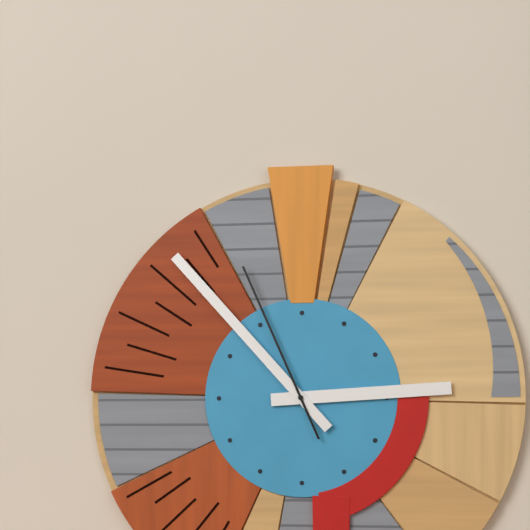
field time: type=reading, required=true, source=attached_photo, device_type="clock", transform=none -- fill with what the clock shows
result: 2:53:56
